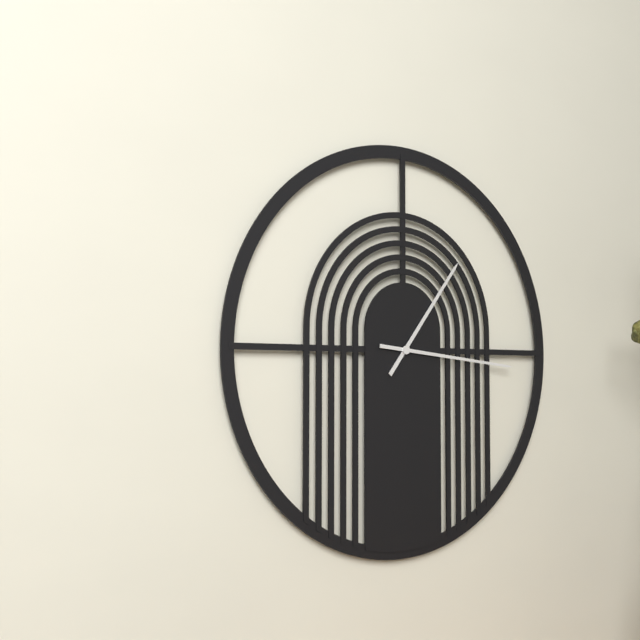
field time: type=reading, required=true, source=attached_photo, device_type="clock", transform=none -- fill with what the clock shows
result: 1:16
